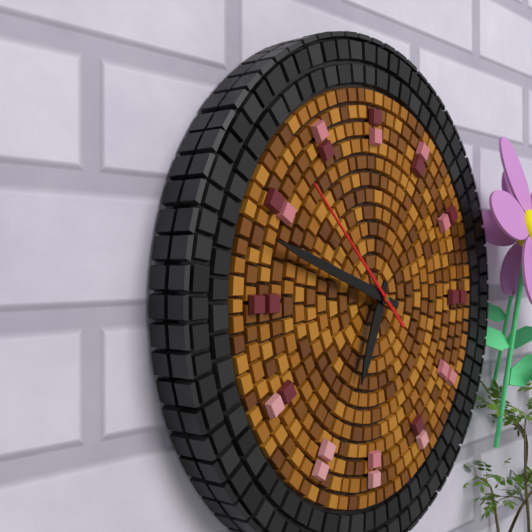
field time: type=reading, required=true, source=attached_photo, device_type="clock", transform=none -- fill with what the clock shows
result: 6:48:52
